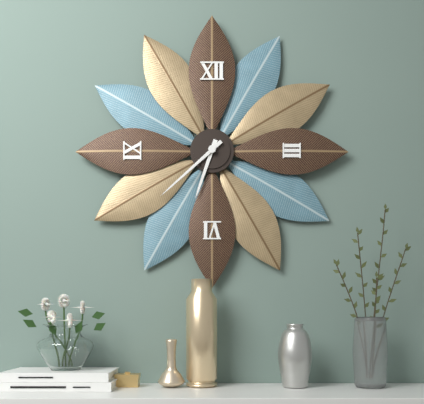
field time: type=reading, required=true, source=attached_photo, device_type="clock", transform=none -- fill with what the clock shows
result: 6:38
